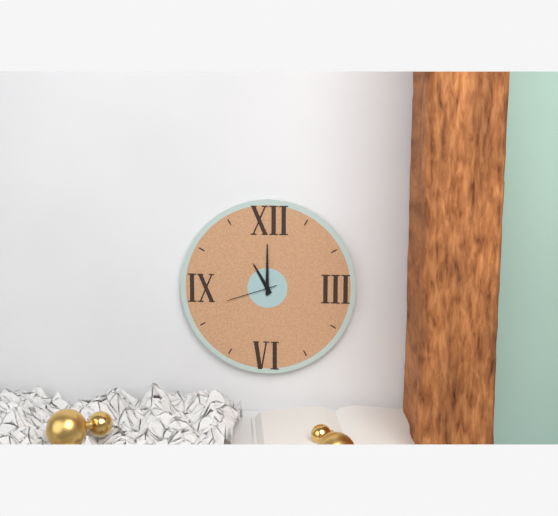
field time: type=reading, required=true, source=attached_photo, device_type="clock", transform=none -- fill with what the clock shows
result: 11:00:42
